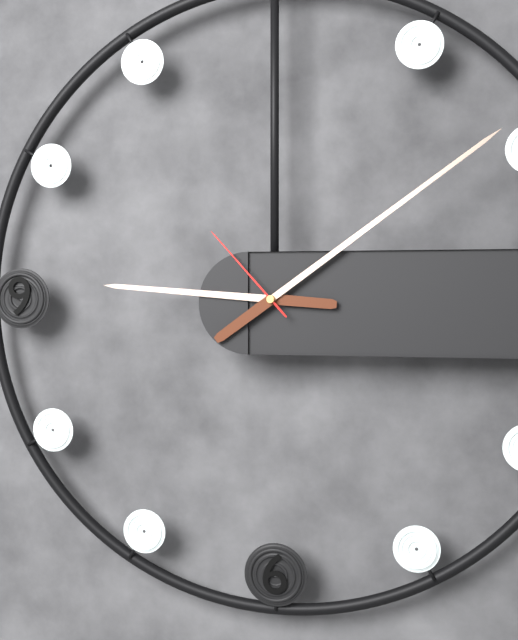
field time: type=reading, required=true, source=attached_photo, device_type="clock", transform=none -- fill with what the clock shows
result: 9:09:53
